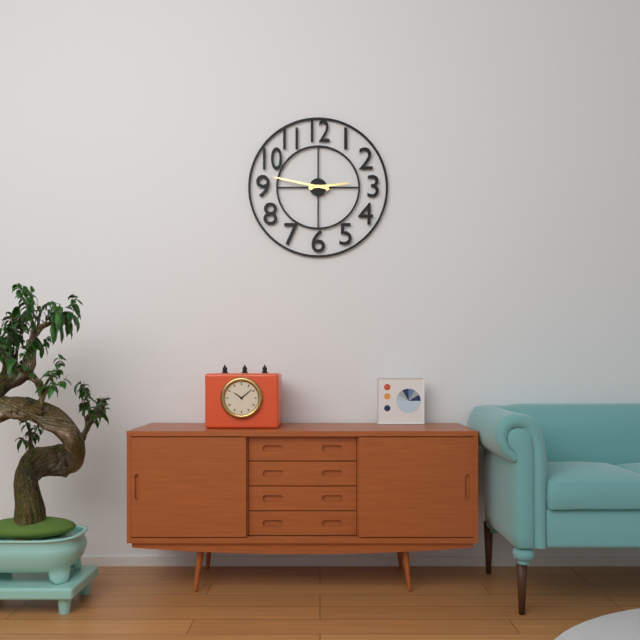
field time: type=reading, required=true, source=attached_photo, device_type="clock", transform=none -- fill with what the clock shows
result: 2:47
